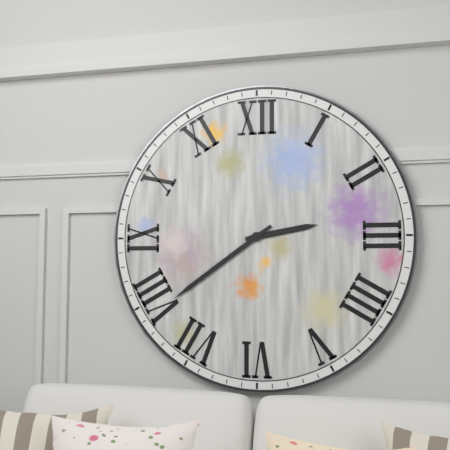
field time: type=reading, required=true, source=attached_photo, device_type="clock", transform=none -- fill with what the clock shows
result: 2:39
